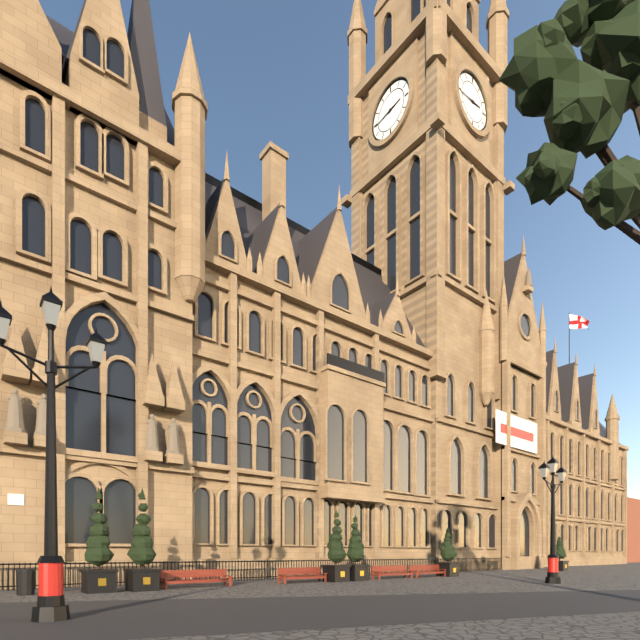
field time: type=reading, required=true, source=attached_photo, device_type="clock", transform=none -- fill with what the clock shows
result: 2:44
